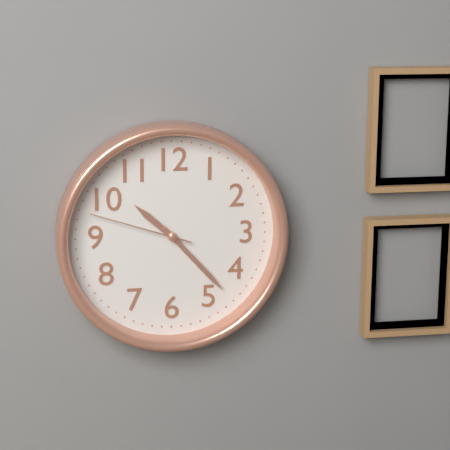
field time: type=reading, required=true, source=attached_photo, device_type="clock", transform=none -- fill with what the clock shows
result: 10:23:48
